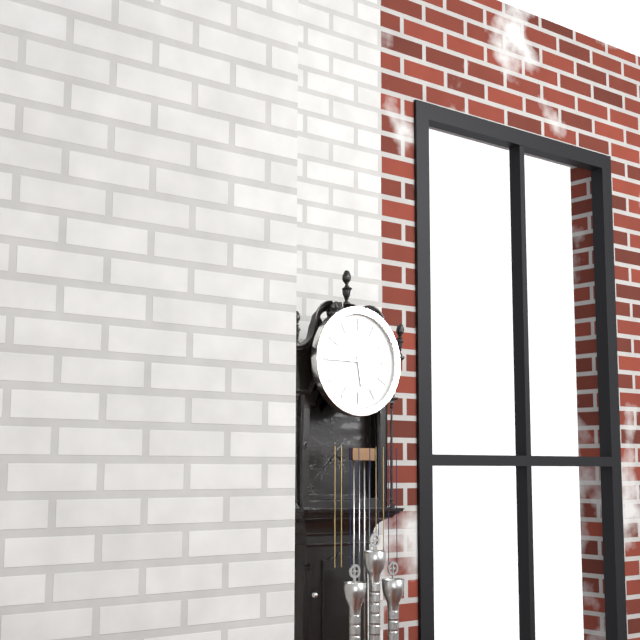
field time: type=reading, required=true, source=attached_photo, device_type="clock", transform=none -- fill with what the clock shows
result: 5:45
